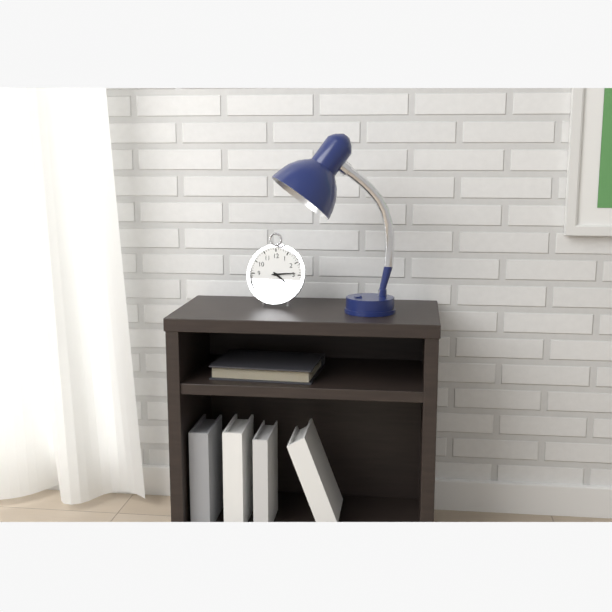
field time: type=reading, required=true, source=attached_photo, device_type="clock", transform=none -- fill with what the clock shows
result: 4:14
